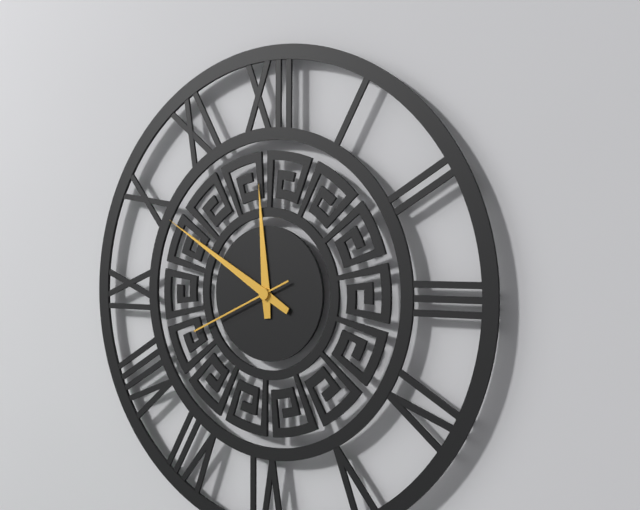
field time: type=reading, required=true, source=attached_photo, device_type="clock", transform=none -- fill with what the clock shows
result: 11:50:41
